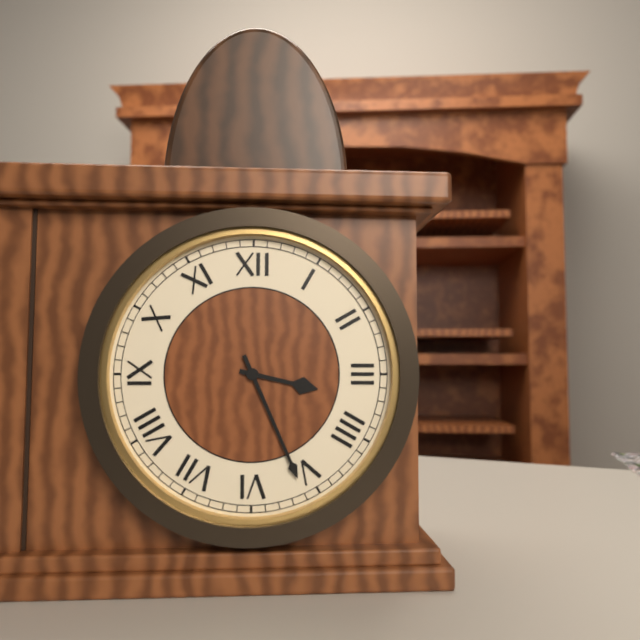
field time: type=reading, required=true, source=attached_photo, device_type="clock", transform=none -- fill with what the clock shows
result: 3:26
